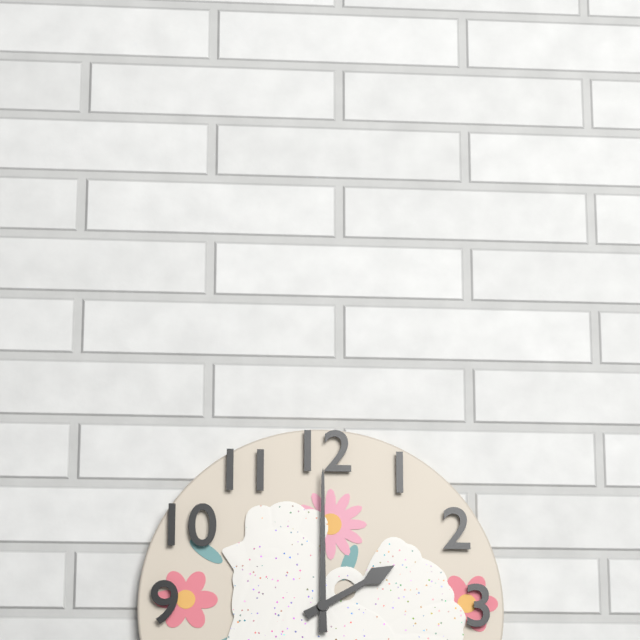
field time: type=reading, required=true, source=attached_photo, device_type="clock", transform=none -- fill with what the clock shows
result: 2:00
